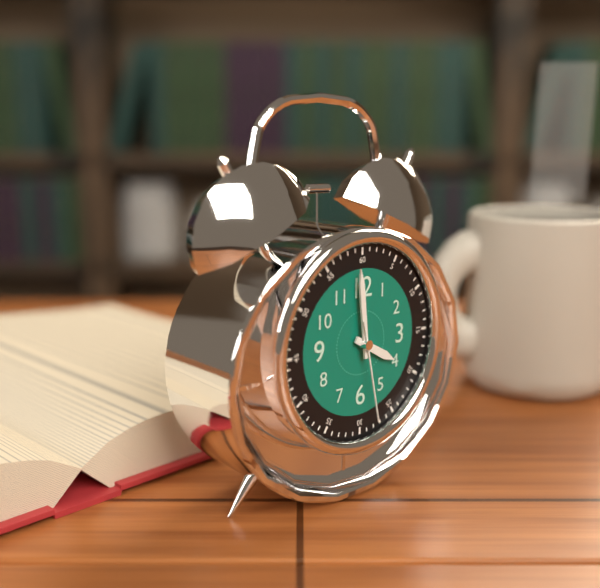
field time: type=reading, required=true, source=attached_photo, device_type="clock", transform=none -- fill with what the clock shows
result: 3:59:28
